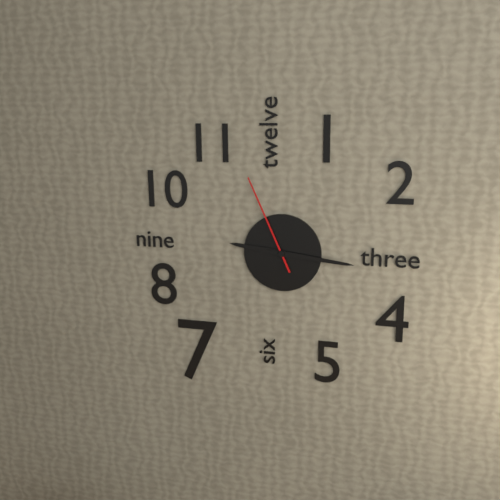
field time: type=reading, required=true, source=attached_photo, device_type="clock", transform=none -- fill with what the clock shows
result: 9:16:56
